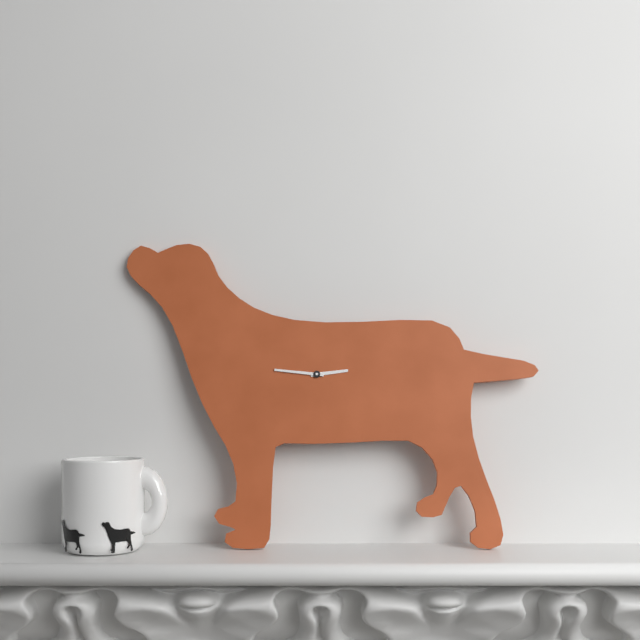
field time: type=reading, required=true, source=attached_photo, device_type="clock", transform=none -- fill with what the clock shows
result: 2:46
